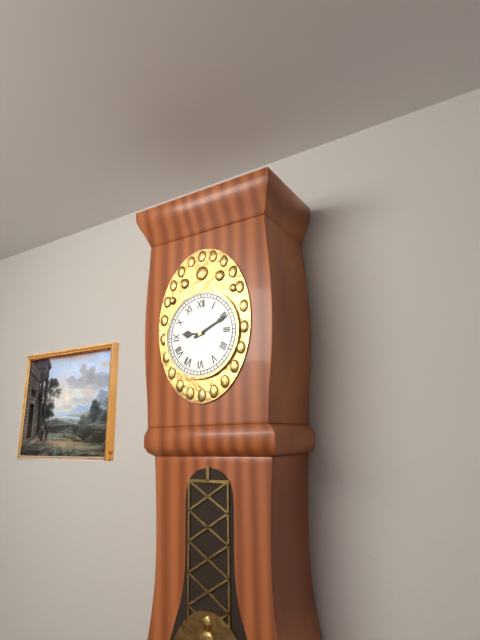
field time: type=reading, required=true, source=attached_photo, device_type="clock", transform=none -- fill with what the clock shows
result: 9:11
